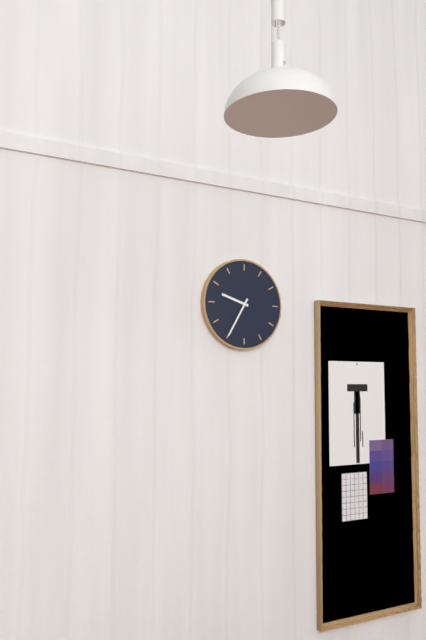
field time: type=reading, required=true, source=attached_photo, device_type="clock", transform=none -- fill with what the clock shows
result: 9:35
